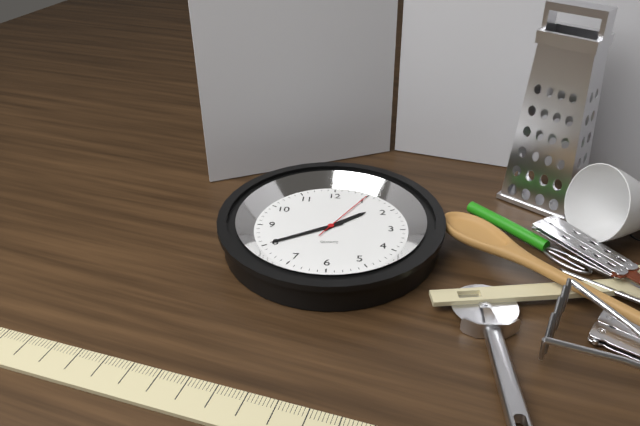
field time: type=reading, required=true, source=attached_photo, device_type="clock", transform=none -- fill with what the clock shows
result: 1:40:05
